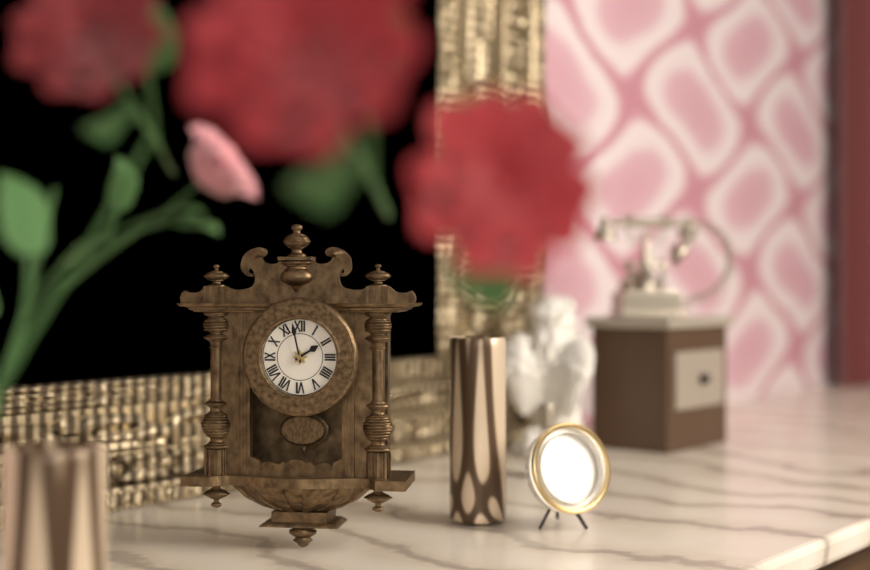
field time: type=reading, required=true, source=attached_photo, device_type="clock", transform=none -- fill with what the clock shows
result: 1:58
